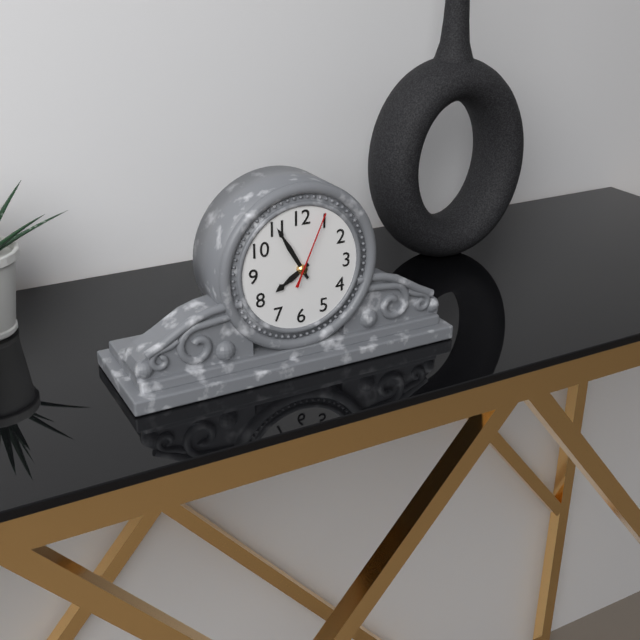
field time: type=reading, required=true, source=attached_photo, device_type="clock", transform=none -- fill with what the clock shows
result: 7:55:04
